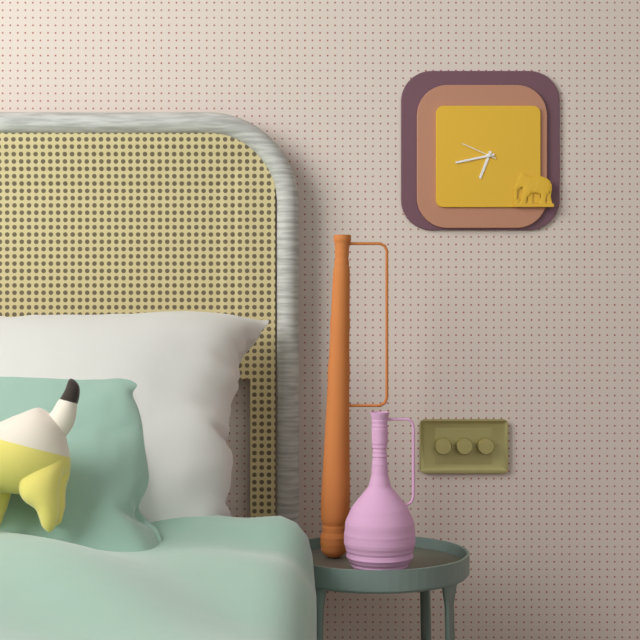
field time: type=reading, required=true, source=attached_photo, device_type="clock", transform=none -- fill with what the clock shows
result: 6:43
